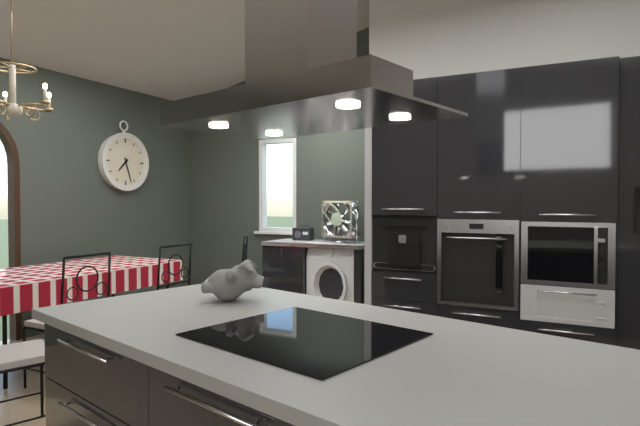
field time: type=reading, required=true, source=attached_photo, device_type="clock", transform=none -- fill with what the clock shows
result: 7:27
